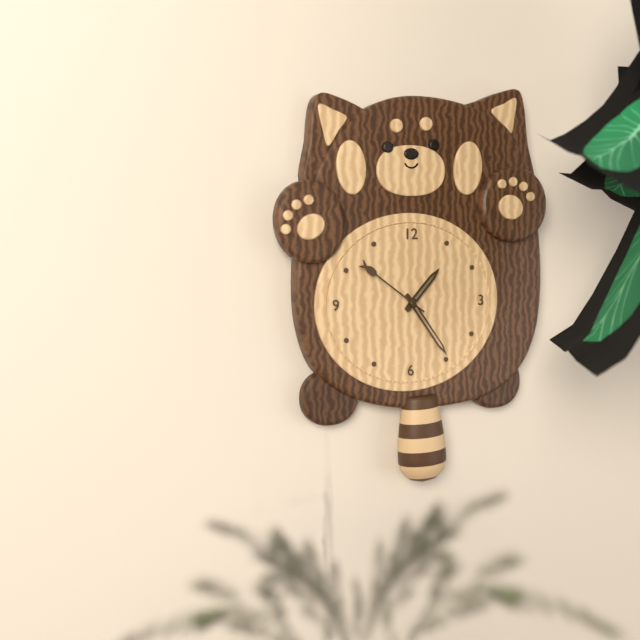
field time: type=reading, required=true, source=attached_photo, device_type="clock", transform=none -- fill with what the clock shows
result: 1:24:51
